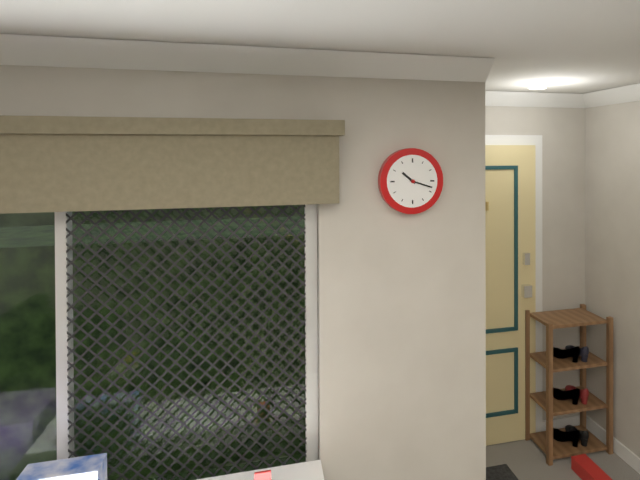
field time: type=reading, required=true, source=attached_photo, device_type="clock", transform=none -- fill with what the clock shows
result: 10:18
